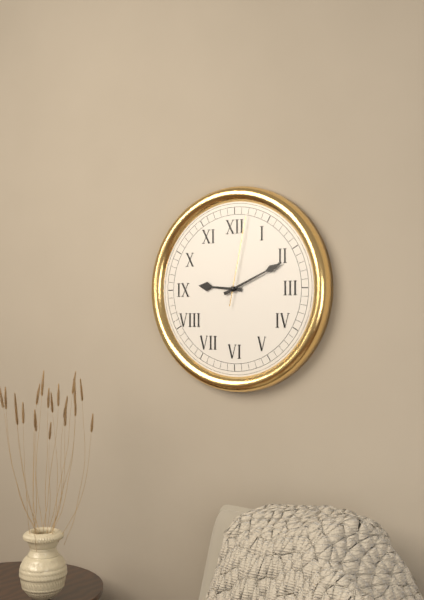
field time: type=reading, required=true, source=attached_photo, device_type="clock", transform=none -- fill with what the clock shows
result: 9:11:02
